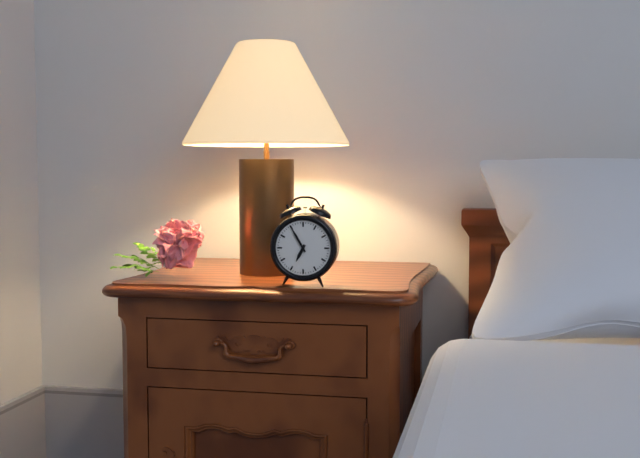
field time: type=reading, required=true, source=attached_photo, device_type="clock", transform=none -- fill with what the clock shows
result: 6:55
